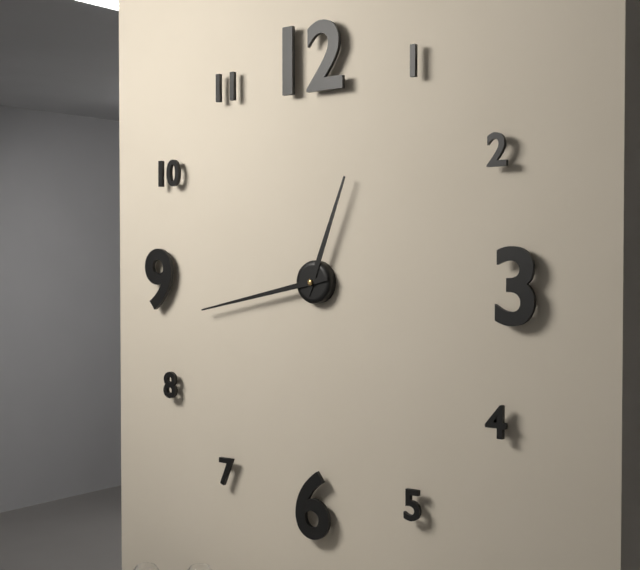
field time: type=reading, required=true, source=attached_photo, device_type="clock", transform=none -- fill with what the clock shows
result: 12:43
